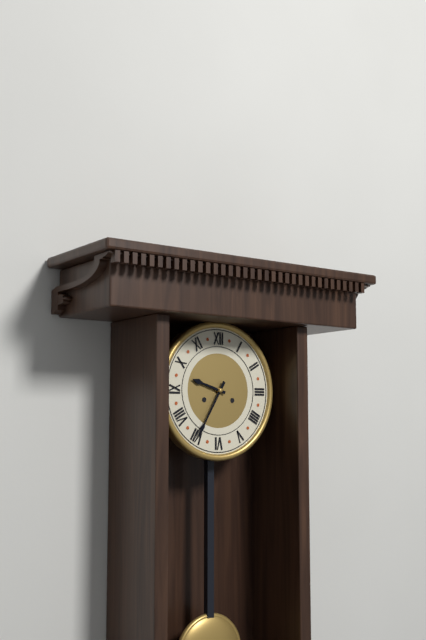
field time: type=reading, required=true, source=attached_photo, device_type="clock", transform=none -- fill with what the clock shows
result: 9:35
